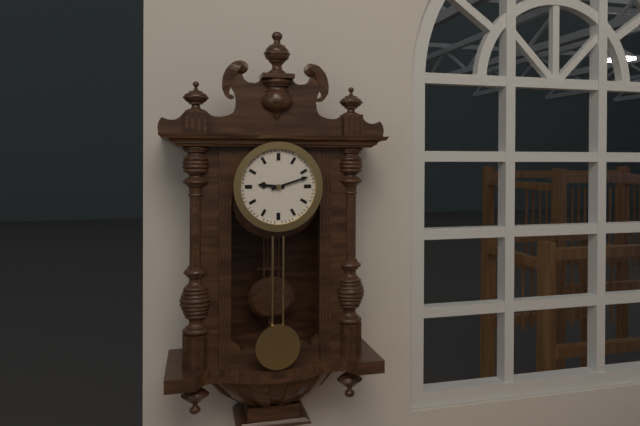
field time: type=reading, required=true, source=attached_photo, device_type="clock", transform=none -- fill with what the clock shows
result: 9:12
